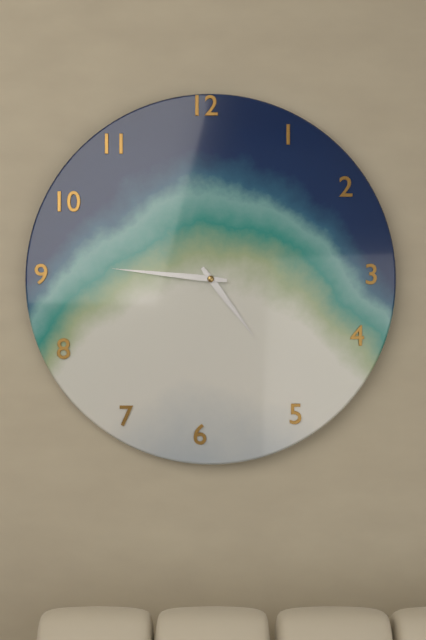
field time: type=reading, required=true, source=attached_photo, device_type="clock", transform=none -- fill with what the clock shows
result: 4:46
